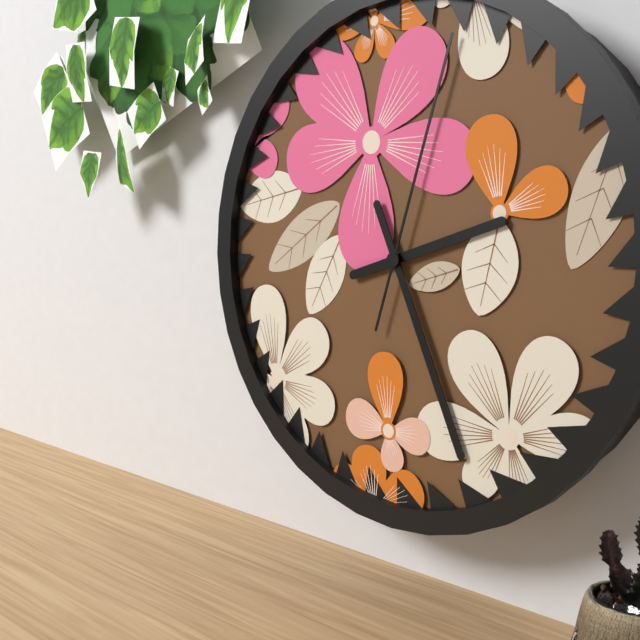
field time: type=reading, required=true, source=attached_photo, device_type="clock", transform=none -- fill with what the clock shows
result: 2:26:03
